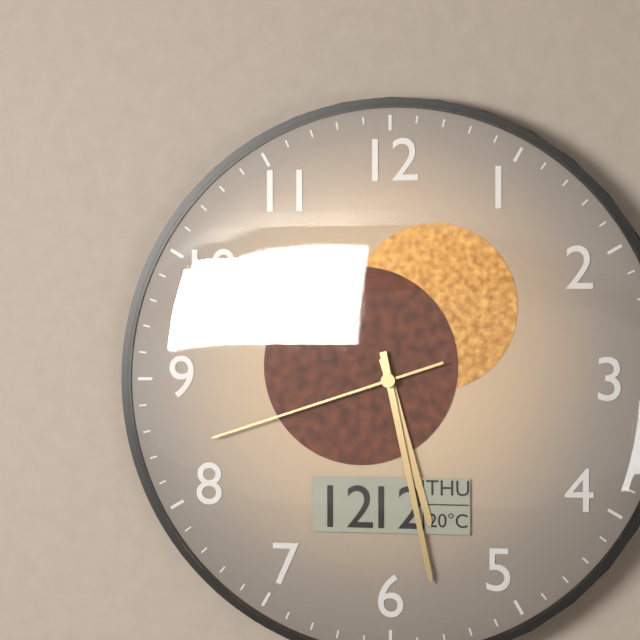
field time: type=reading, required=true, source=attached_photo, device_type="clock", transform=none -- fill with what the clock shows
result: 5:28:42
